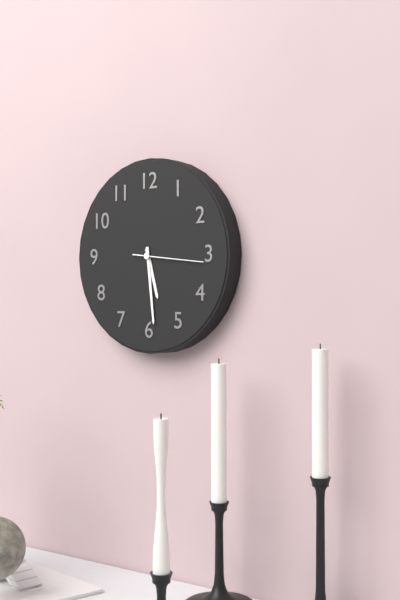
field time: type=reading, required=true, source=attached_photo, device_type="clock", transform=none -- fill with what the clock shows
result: 5:29:16
